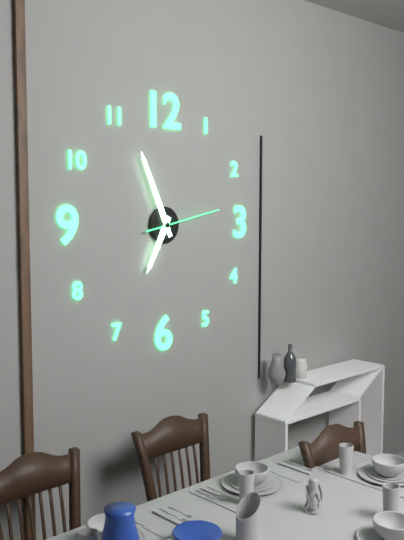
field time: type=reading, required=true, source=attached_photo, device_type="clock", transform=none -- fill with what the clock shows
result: 6:56:13
